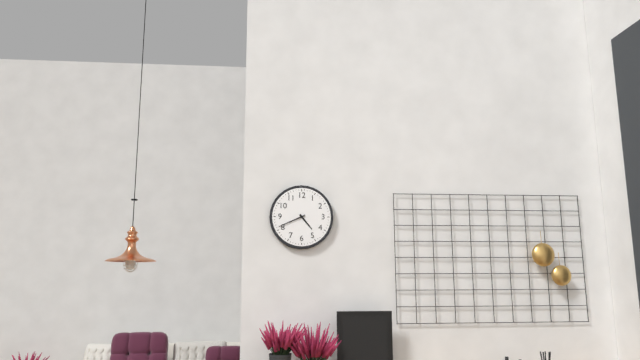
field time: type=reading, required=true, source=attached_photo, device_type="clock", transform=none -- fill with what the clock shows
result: 4:41
